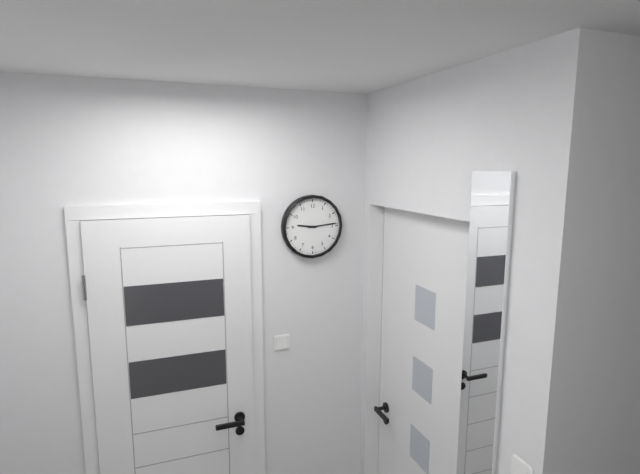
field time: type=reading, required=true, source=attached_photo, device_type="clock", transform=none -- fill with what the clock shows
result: 9:14
